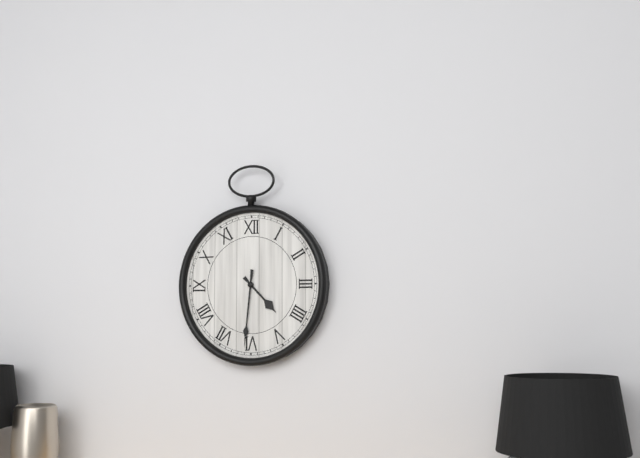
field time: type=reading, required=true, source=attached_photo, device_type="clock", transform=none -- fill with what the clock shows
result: 4:31
